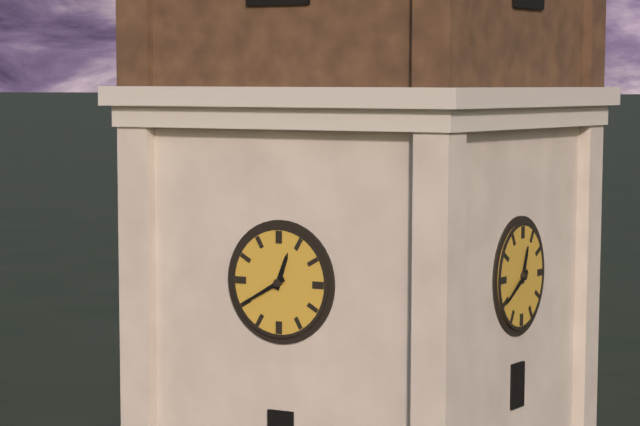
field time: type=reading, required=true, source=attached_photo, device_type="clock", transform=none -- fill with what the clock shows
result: 12:40
